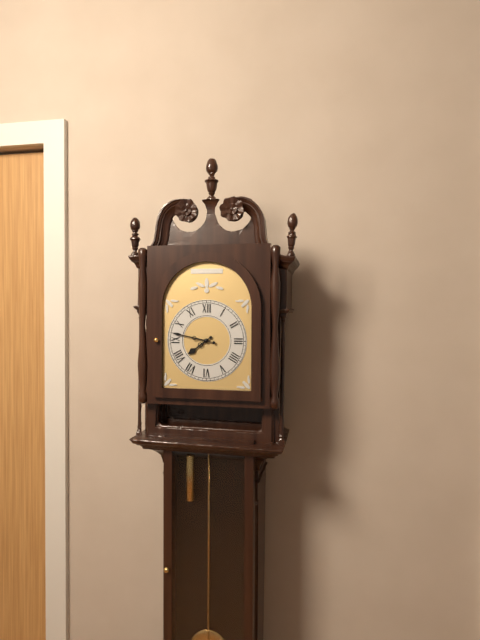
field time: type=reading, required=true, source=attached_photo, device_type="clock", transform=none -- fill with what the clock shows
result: 7:47
